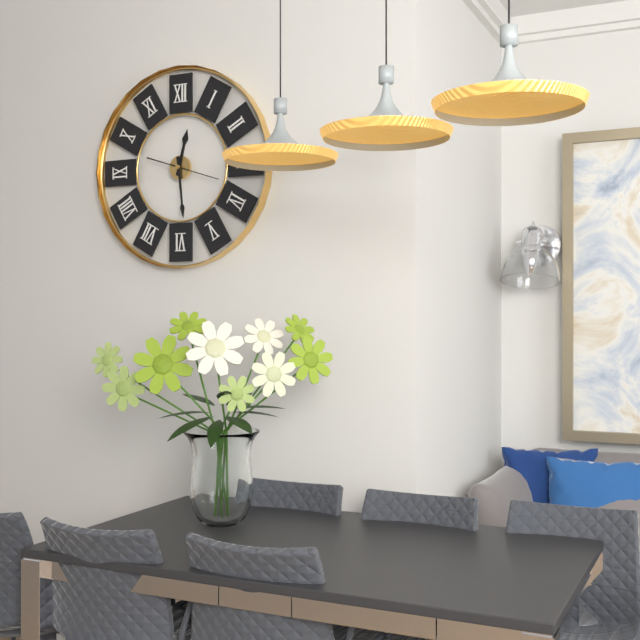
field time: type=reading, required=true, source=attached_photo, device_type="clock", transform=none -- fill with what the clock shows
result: 12:29
